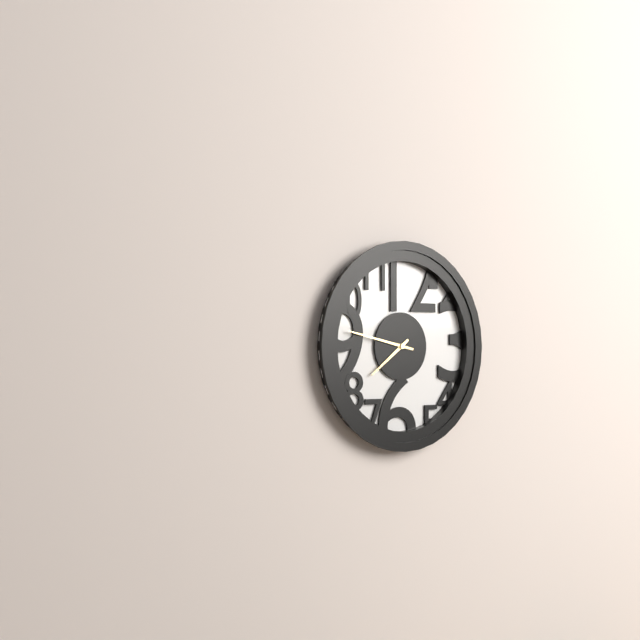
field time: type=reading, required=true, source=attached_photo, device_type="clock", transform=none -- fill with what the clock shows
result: 7:47
